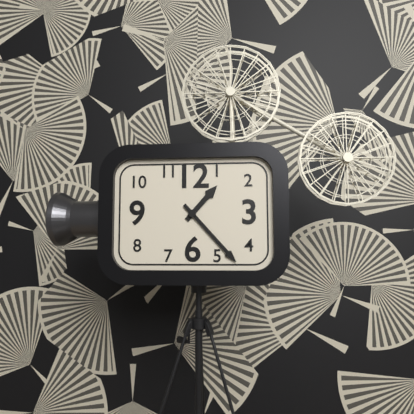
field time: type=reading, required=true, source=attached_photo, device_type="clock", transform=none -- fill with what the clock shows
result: 1:23
